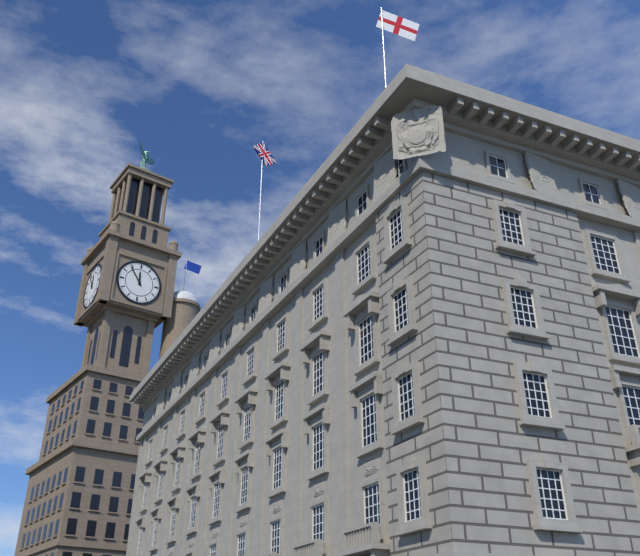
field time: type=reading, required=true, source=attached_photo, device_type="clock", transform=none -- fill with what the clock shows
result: 11:54
